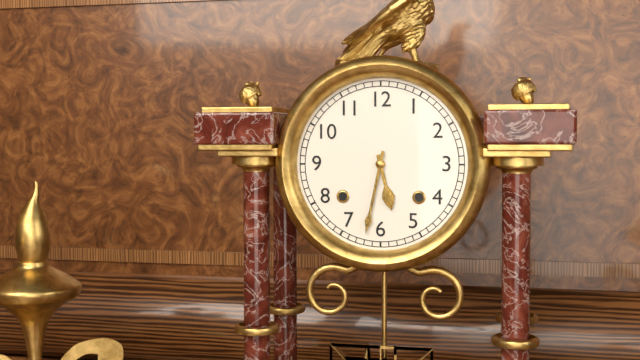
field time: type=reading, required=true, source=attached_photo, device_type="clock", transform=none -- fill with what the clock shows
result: 5:32
